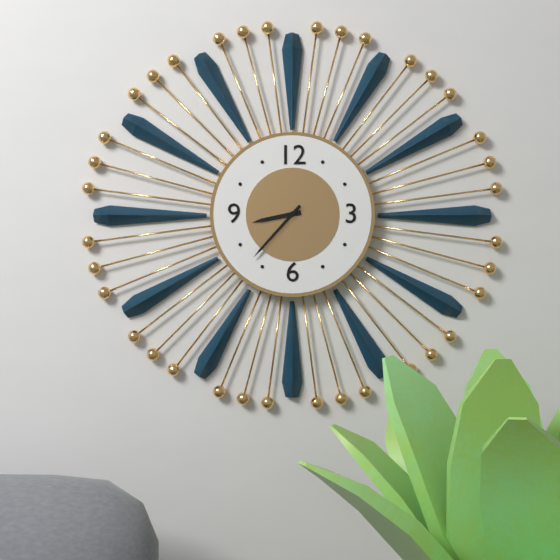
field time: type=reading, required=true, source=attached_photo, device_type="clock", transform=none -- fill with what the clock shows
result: 8:37
